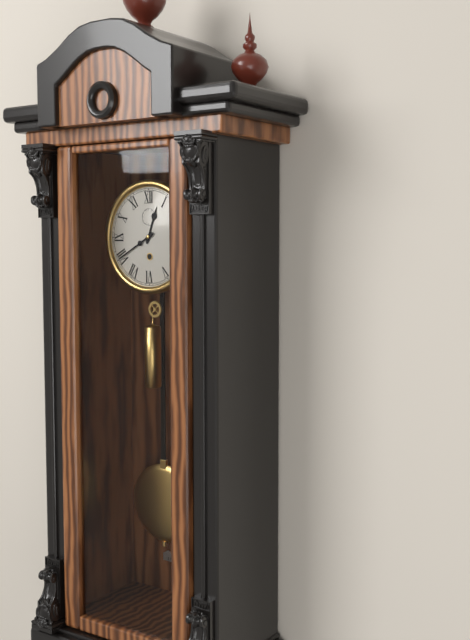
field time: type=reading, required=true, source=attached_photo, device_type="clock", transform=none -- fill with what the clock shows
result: 12:40
